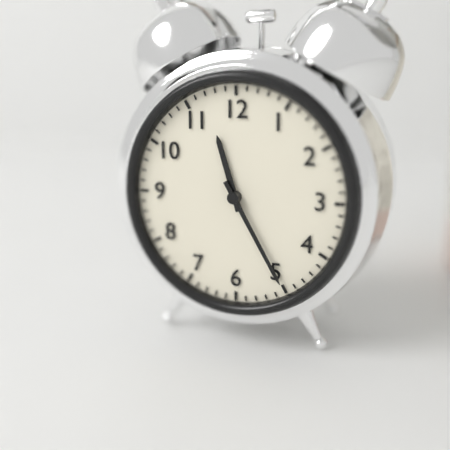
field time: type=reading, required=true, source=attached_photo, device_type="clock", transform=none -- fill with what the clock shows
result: 11:25
